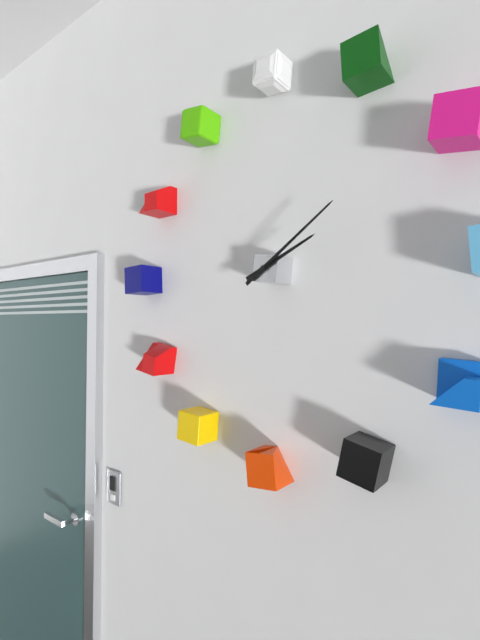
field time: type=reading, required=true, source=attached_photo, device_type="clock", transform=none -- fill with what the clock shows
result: 2:09
